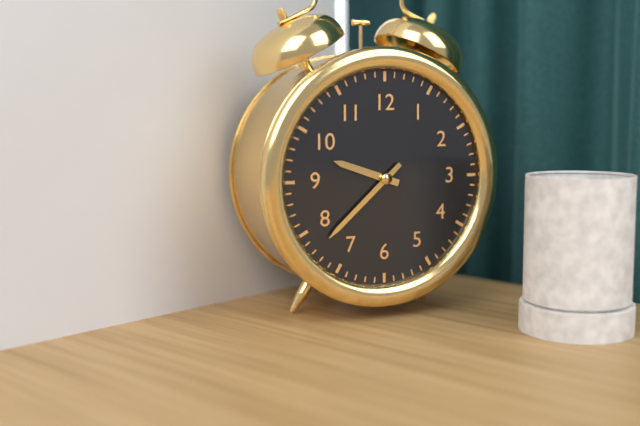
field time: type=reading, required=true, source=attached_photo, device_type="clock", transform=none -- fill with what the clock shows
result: 9:38
